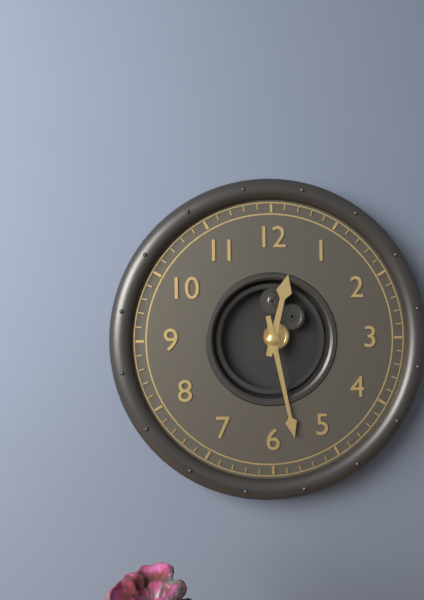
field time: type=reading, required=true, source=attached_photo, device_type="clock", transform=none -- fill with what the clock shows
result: 12:28
